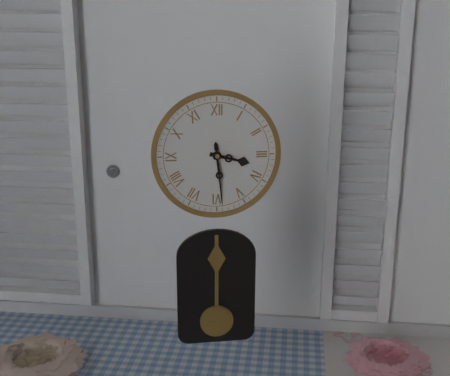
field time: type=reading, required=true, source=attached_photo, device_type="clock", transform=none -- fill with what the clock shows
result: 3:29
